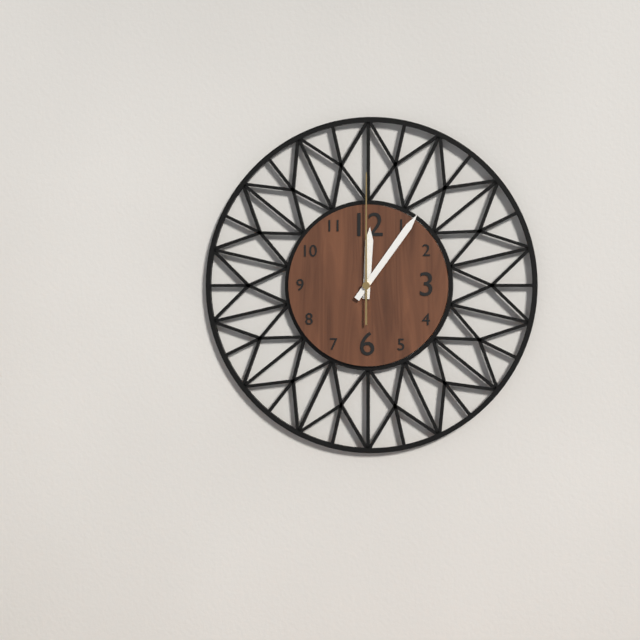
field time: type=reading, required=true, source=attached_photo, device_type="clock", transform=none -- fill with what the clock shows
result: 12:06:00
